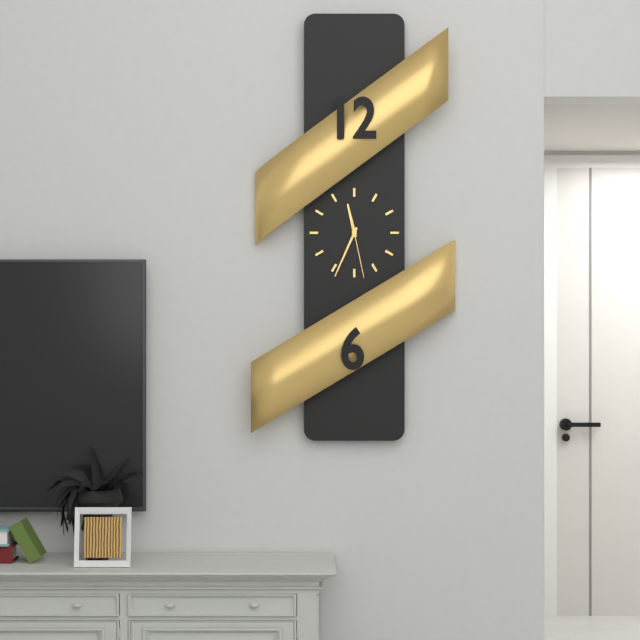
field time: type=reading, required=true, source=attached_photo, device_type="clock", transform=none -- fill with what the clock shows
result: 11:34:28
